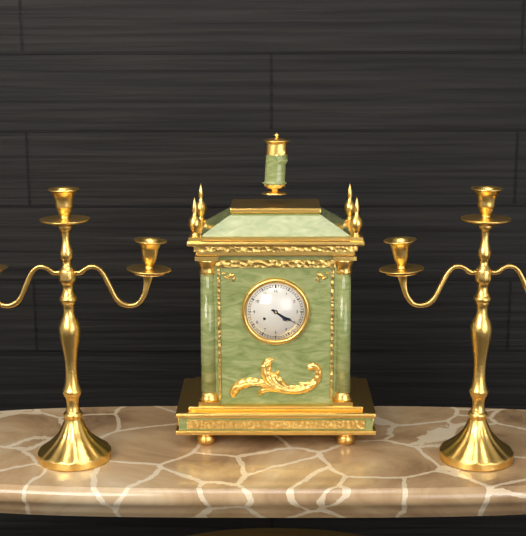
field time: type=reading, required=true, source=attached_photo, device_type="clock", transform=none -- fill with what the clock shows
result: 4:20
